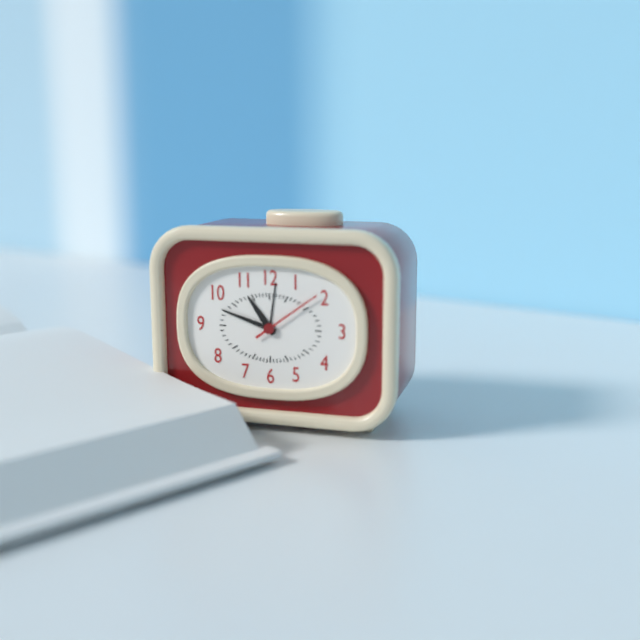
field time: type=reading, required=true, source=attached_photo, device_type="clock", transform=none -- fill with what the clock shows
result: 10:48
